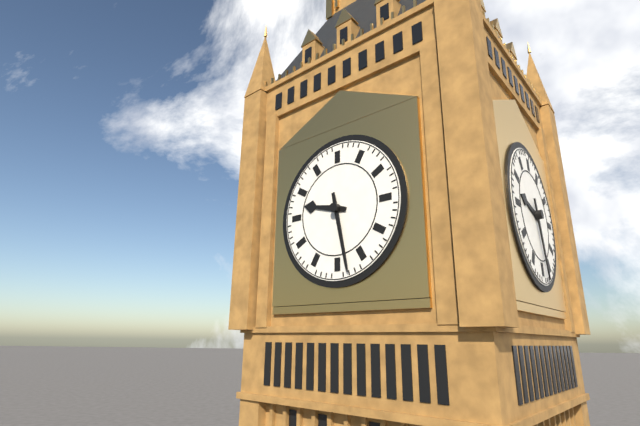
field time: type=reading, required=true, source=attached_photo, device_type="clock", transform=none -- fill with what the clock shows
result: 9:28
